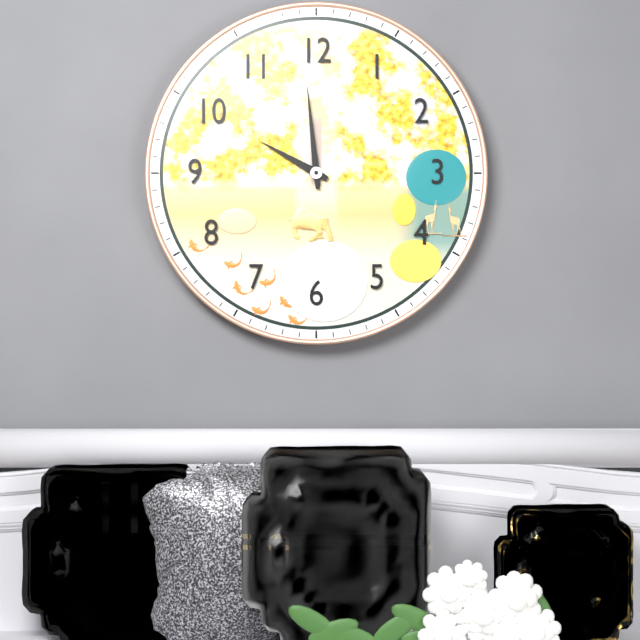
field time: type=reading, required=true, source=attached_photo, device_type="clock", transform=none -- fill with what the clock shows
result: 9:59
